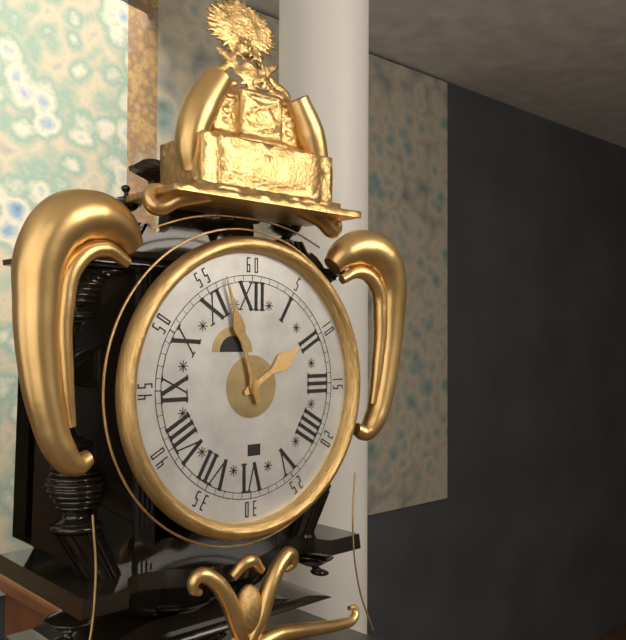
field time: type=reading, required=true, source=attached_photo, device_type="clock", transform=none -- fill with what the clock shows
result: 1:57
